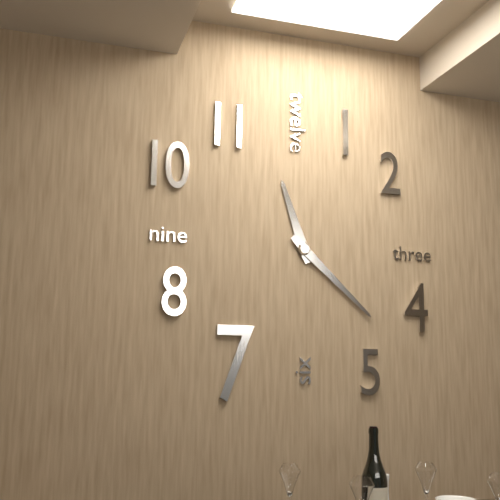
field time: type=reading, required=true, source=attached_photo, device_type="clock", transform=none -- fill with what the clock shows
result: 11:22
